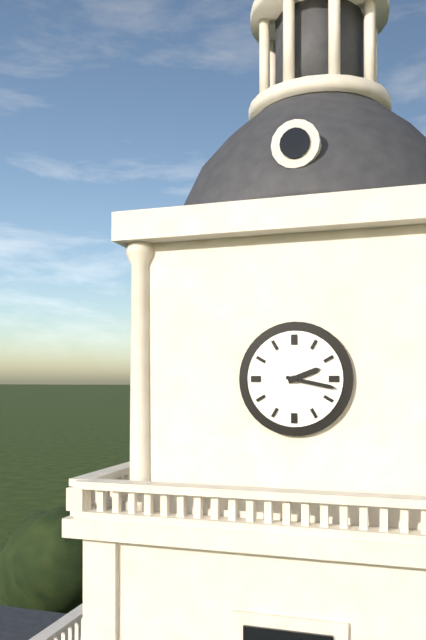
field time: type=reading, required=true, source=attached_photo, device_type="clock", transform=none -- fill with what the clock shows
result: 2:17
